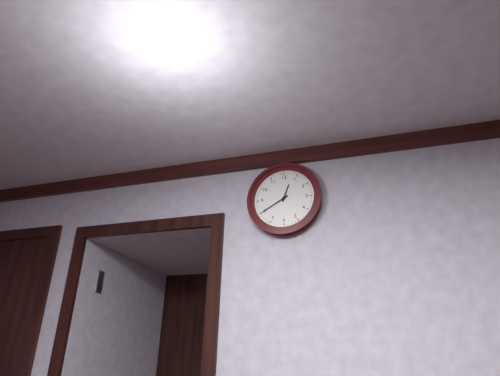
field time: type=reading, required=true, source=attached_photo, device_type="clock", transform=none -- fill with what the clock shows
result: 12:40
